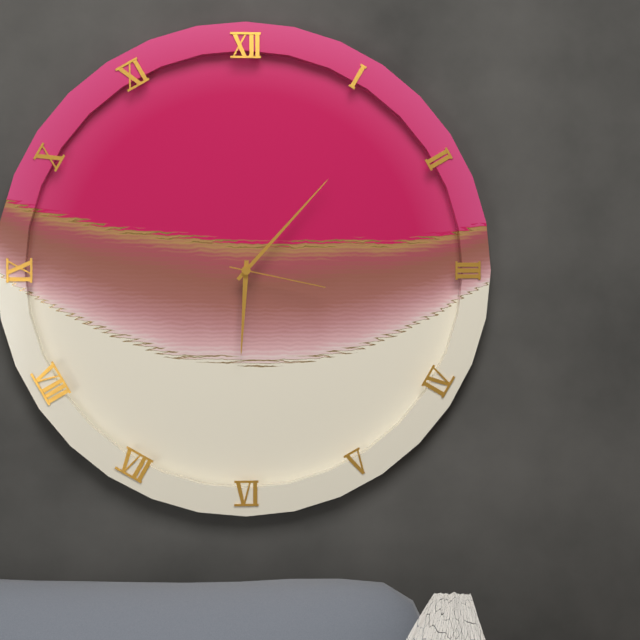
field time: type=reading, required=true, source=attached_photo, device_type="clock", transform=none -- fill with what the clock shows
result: 6:07:17
